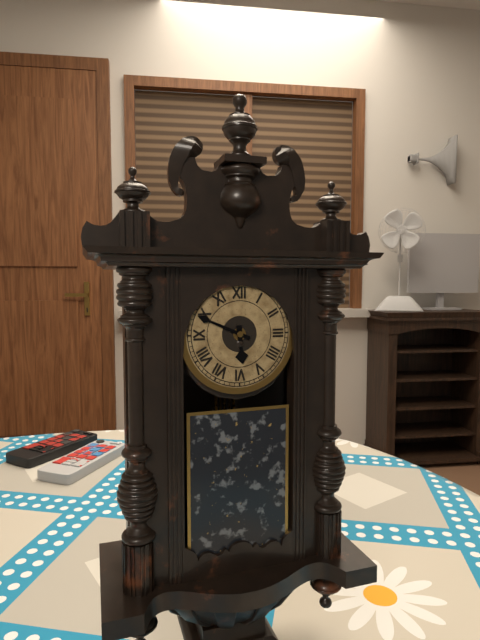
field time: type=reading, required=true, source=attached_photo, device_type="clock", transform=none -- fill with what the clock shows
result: 5:49
